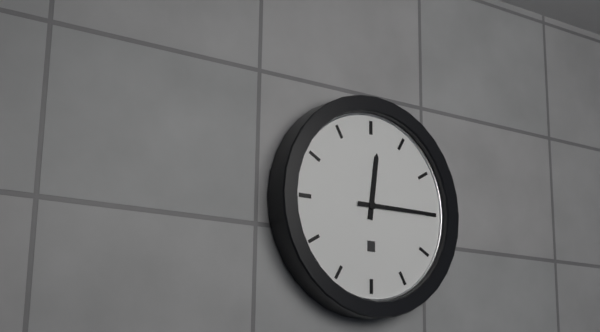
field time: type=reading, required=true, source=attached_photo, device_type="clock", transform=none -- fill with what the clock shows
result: 12:15
